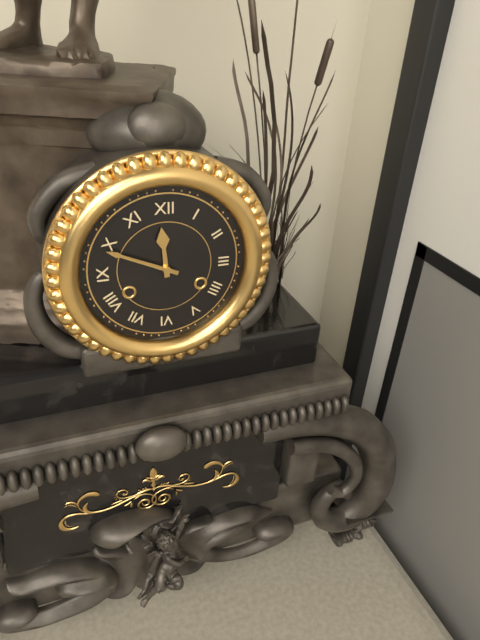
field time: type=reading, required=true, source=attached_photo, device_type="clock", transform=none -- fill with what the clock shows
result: 11:49
